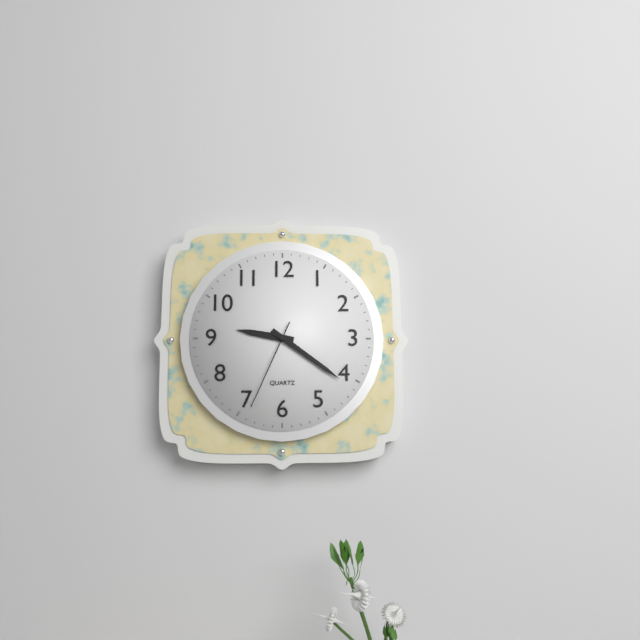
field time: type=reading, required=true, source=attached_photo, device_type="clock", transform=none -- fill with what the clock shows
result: 9:21:34
